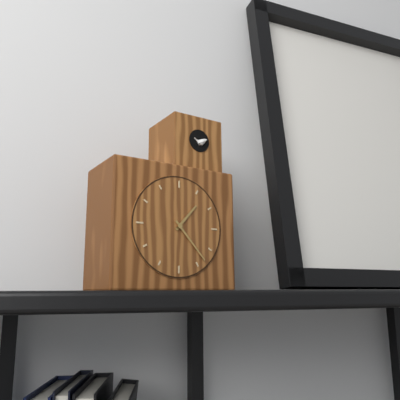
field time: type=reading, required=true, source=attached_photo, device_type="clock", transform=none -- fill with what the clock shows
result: 1:23
